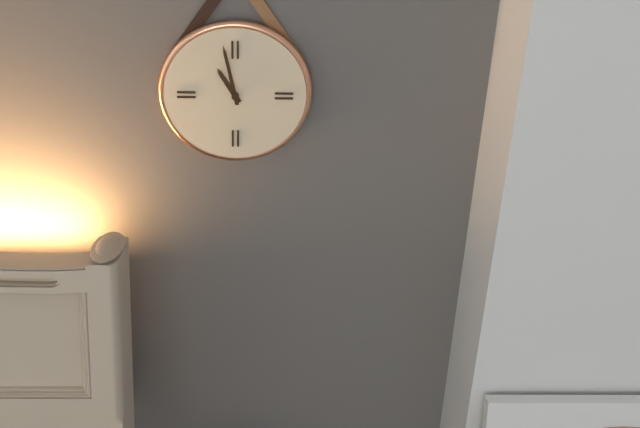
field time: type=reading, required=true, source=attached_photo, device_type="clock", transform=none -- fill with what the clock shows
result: 10:58
